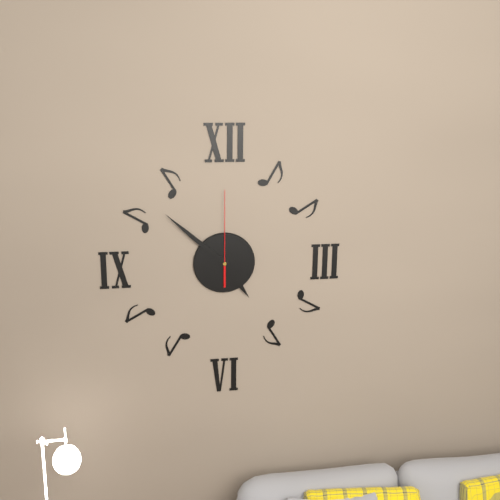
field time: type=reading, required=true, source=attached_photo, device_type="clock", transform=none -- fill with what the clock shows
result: 4:52:00
